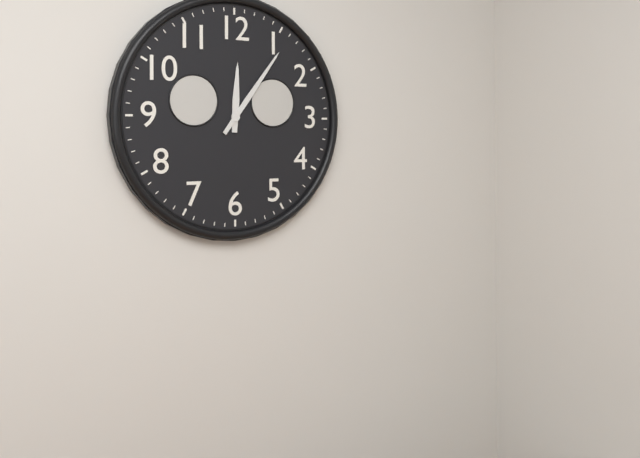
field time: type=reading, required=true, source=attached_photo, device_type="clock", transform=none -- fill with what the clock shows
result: 12:06
